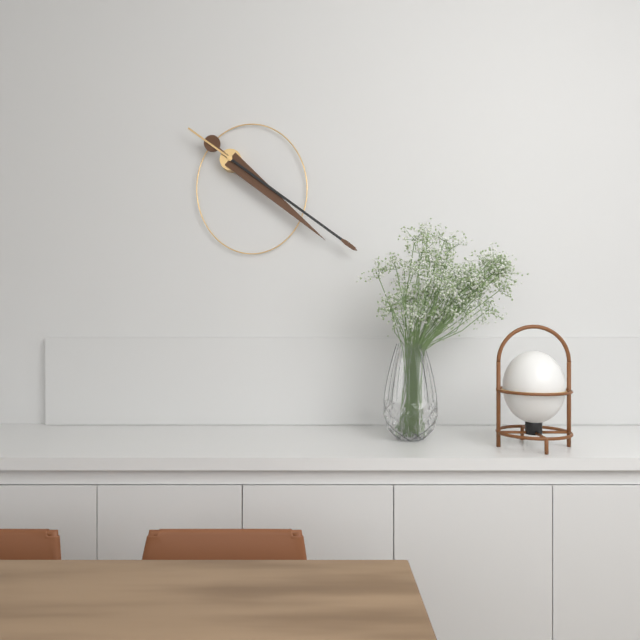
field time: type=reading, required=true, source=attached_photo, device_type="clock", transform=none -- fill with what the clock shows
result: 4:21
